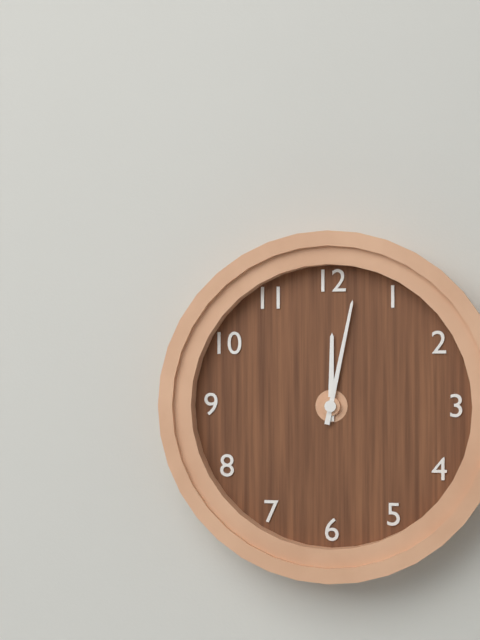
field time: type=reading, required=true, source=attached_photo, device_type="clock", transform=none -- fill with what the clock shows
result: 12:02
